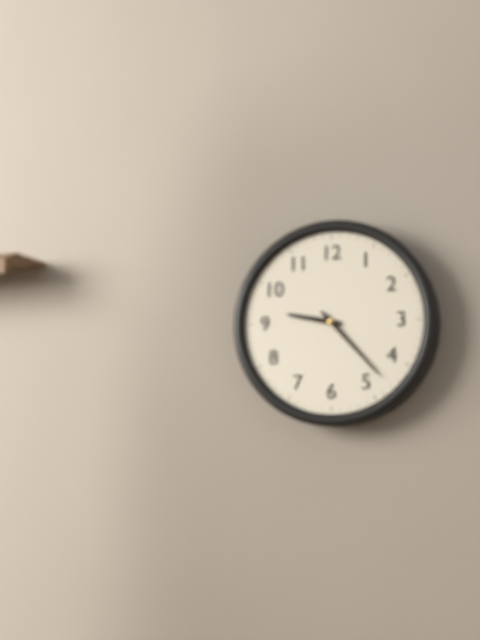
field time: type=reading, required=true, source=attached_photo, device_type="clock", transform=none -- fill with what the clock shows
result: 9:23
